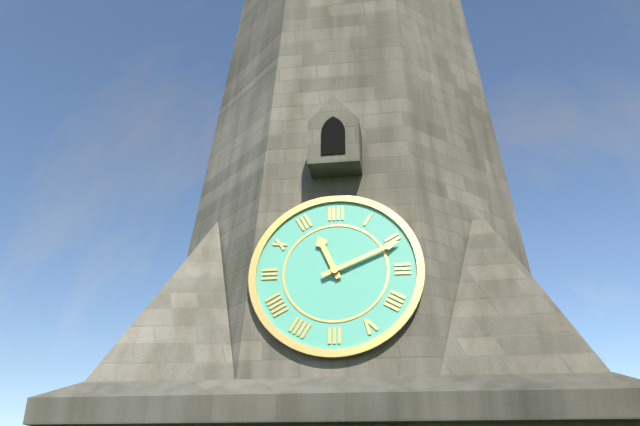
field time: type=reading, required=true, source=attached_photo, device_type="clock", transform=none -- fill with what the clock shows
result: 11:11
